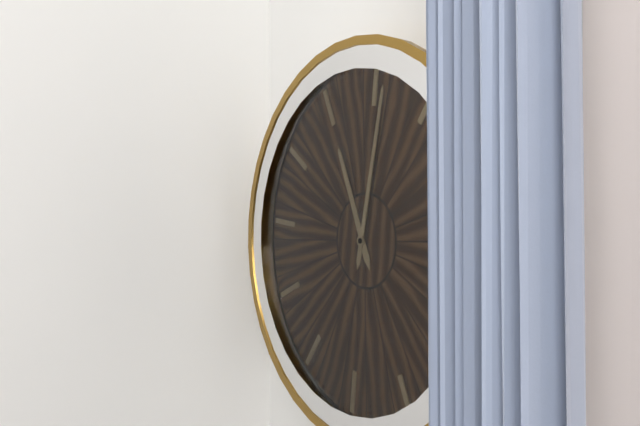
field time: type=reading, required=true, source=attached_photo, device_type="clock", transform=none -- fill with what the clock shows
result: 11:01
